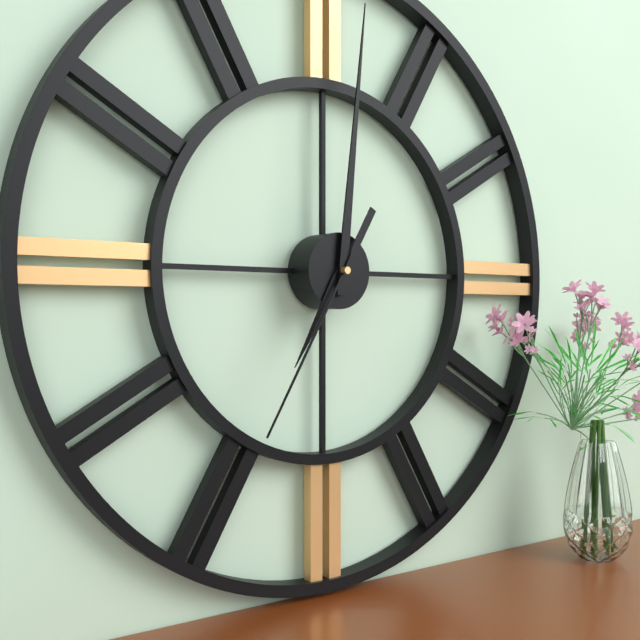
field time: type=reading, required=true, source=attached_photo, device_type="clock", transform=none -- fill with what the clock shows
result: 7:01:35
